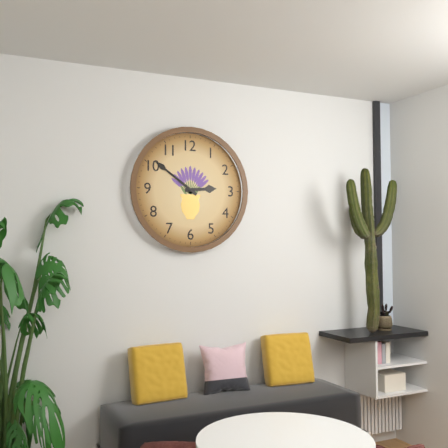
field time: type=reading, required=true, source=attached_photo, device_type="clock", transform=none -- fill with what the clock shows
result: 2:51
